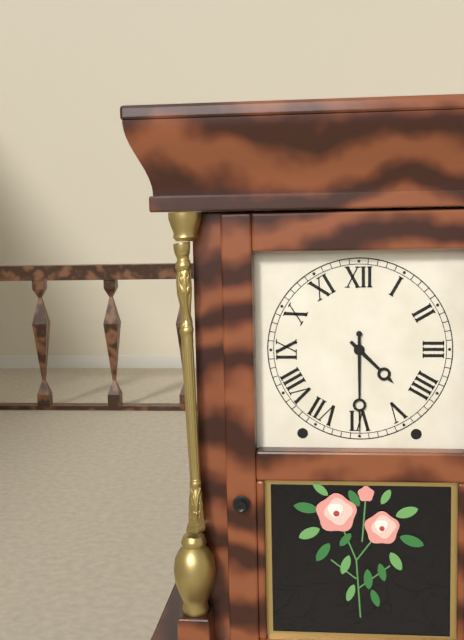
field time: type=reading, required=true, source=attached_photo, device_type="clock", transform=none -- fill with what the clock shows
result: 4:30
